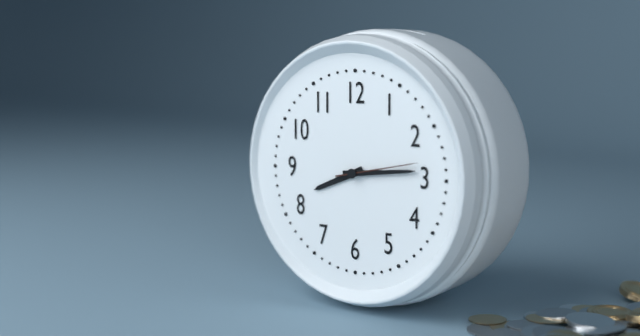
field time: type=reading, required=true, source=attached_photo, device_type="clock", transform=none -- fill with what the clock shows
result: 8:14:13
